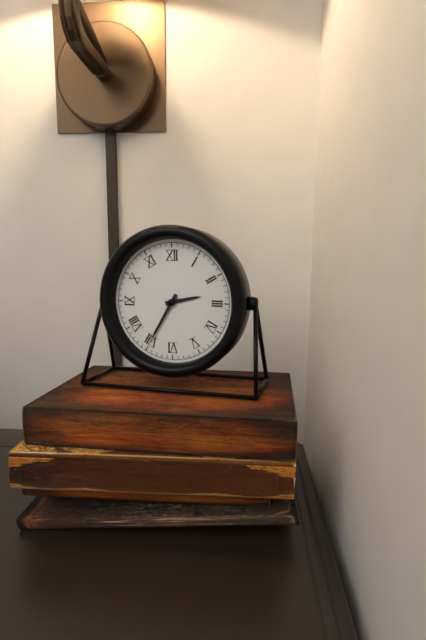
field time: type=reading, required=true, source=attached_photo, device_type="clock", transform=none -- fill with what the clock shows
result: 2:35
